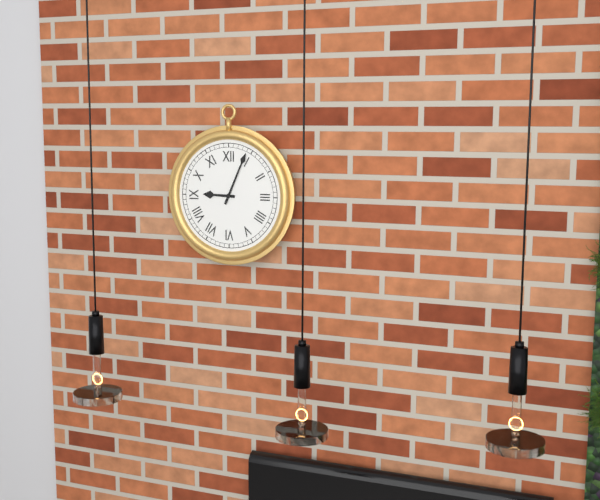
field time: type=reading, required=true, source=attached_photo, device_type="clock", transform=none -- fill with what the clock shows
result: 9:04
